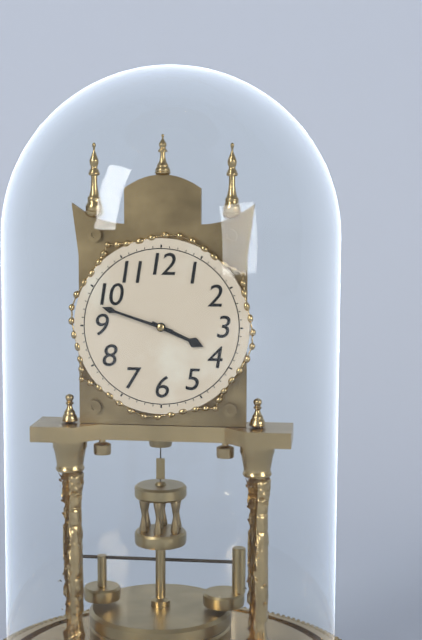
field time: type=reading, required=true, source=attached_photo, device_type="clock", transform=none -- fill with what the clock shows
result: 3:48
